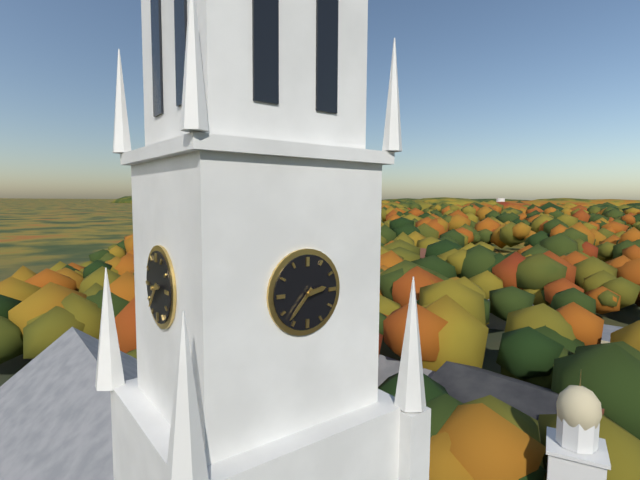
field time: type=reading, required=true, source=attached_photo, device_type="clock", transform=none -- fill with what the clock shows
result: 2:37
